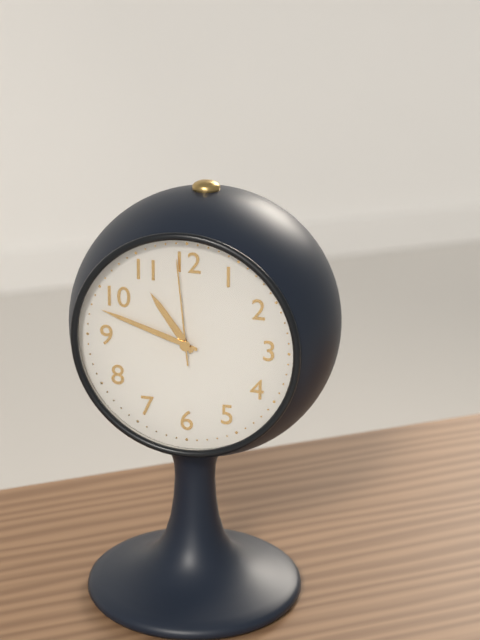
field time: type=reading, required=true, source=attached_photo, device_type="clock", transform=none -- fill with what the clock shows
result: 10:48:59
